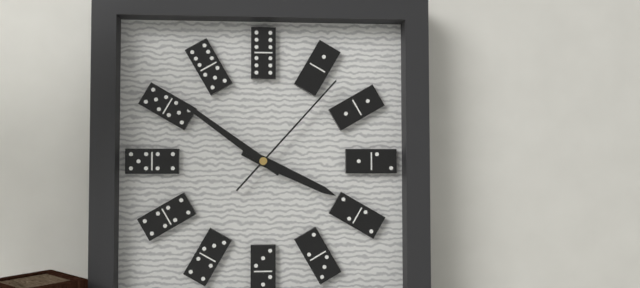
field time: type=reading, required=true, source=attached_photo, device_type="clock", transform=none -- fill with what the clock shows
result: 3:51:07
